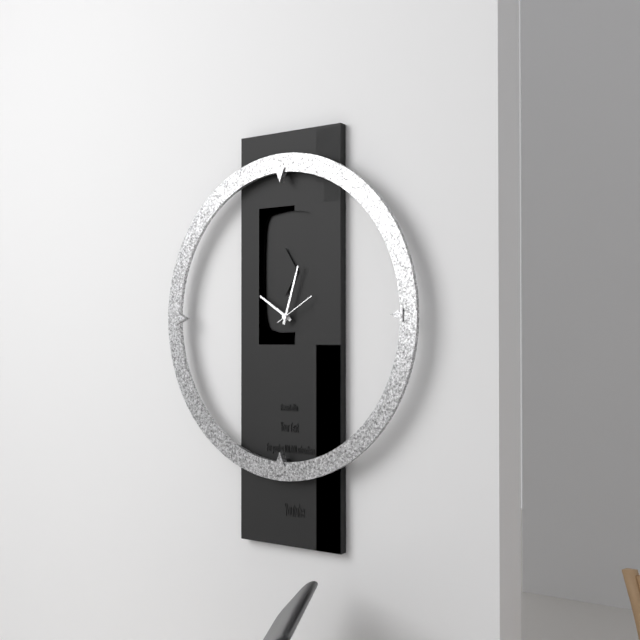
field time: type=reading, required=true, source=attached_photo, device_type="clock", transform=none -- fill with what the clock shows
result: 10:03
